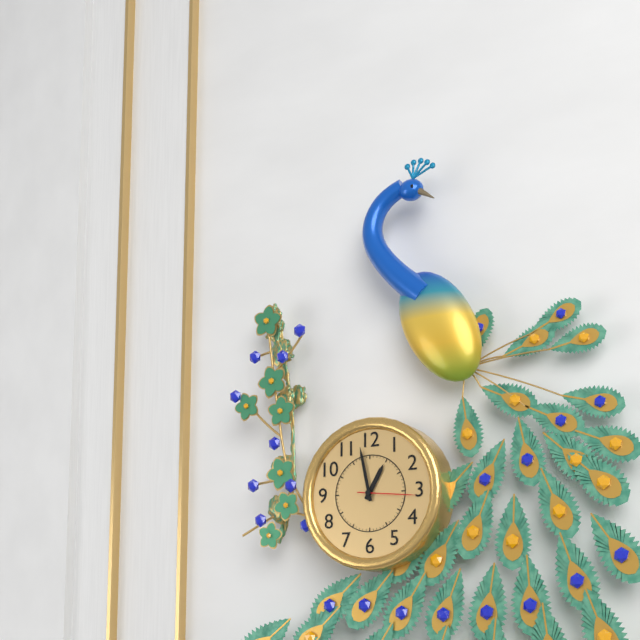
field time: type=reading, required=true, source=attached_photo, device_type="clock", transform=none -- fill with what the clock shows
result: 12:58:16
